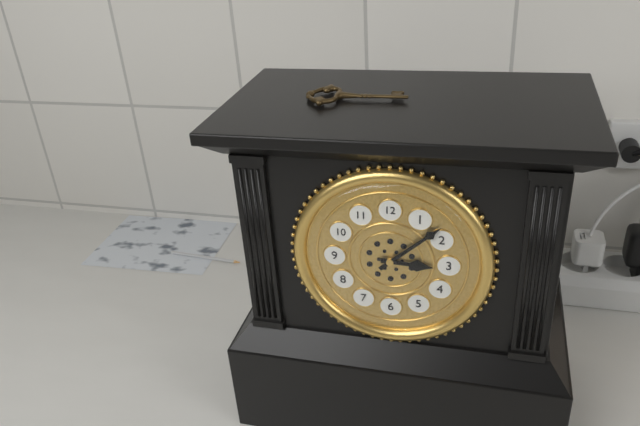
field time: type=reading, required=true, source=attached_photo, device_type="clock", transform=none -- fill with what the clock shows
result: 3:08
